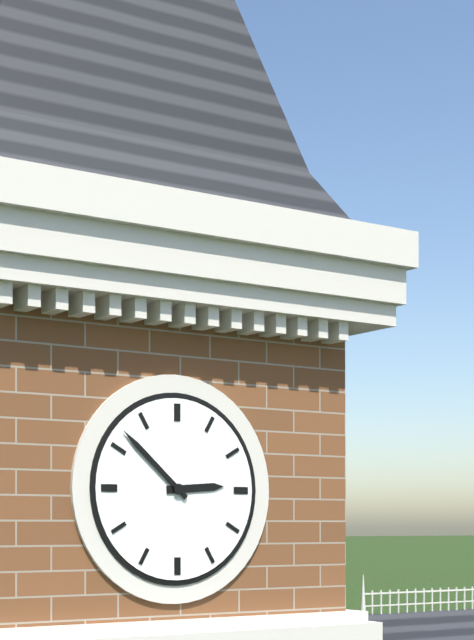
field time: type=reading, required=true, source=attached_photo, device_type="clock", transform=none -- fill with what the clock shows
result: 2:52
